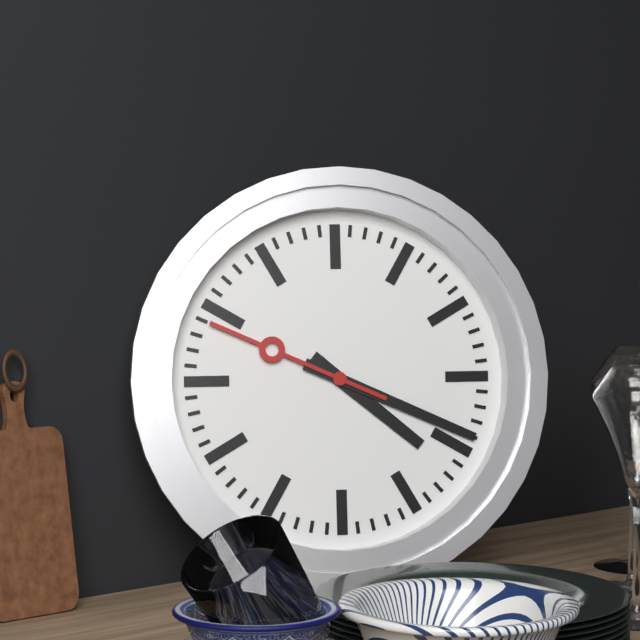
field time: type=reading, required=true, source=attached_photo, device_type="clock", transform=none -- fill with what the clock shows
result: 4:19:49
